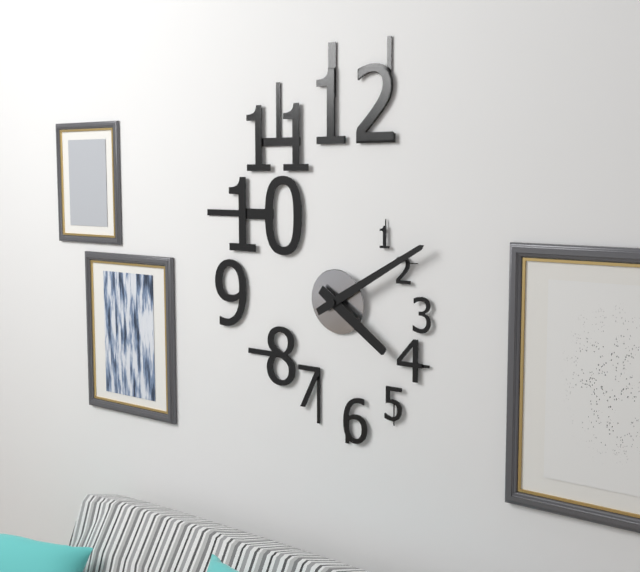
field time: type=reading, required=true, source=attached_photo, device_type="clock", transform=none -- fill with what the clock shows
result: 4:10
